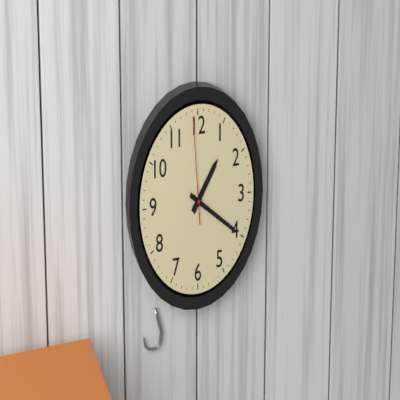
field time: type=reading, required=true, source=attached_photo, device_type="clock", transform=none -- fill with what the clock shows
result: 1:20:59
